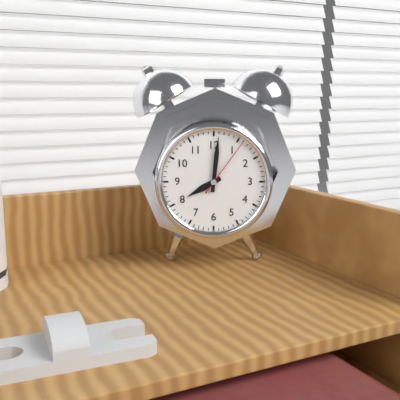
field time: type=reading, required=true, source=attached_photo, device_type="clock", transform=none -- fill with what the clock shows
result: 8:01:06
